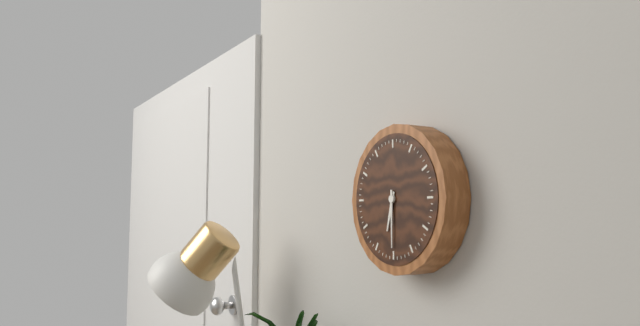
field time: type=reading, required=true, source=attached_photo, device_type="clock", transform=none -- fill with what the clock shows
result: 6:30
